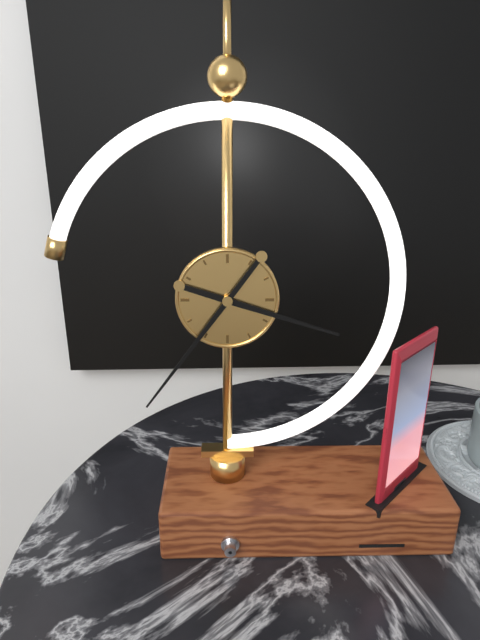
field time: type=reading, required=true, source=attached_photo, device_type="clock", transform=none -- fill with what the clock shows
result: 3:36
